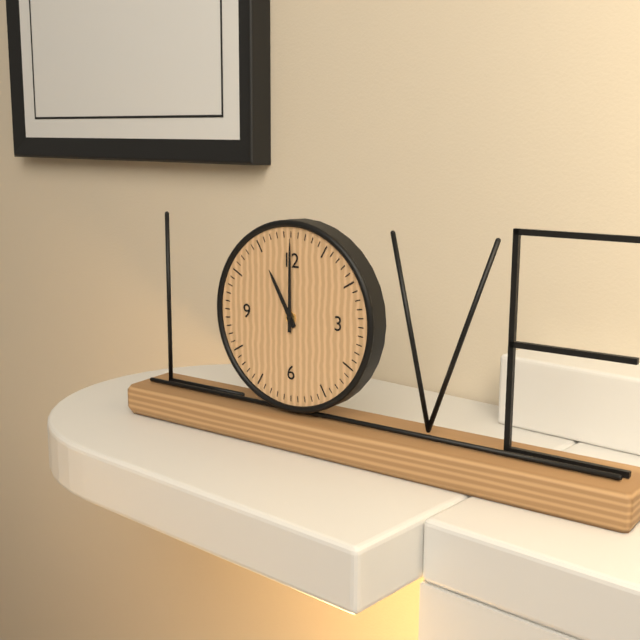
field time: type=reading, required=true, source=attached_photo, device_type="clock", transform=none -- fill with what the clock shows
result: 11:00
